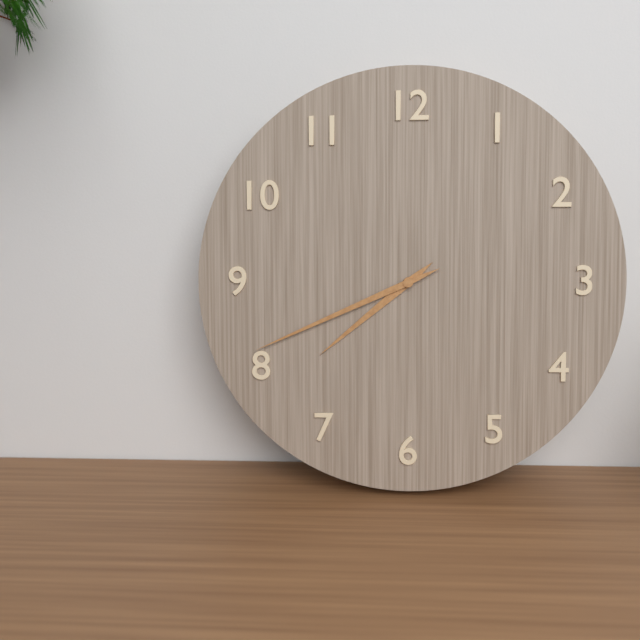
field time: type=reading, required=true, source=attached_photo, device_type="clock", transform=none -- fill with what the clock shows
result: 7:41
